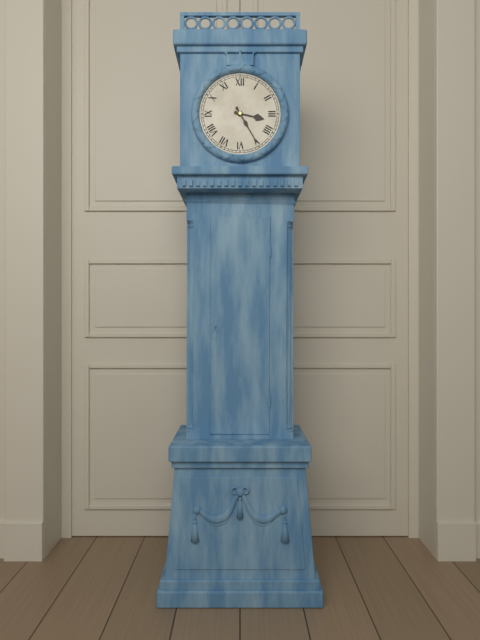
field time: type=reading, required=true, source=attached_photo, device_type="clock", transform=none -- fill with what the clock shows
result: 3:25
